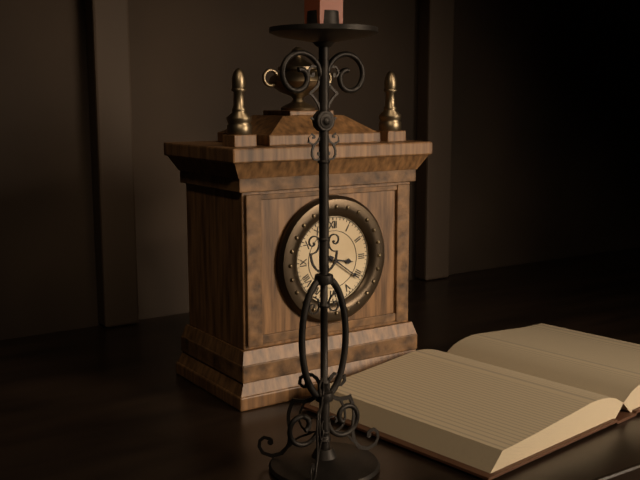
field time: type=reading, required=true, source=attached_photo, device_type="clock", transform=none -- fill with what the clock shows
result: 3:21
